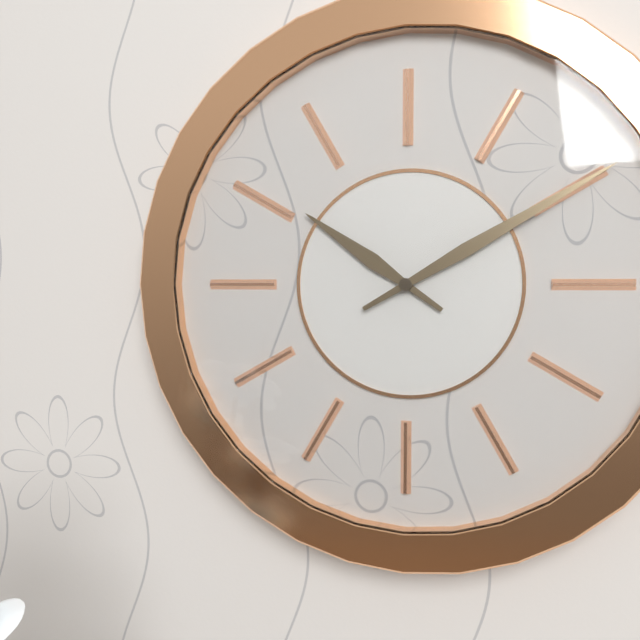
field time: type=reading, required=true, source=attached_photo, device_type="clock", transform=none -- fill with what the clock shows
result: 10:10
